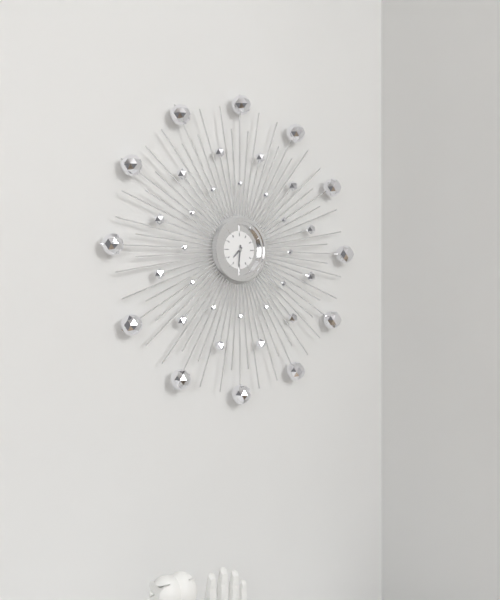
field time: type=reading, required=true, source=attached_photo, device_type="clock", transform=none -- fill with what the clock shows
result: 7:31
